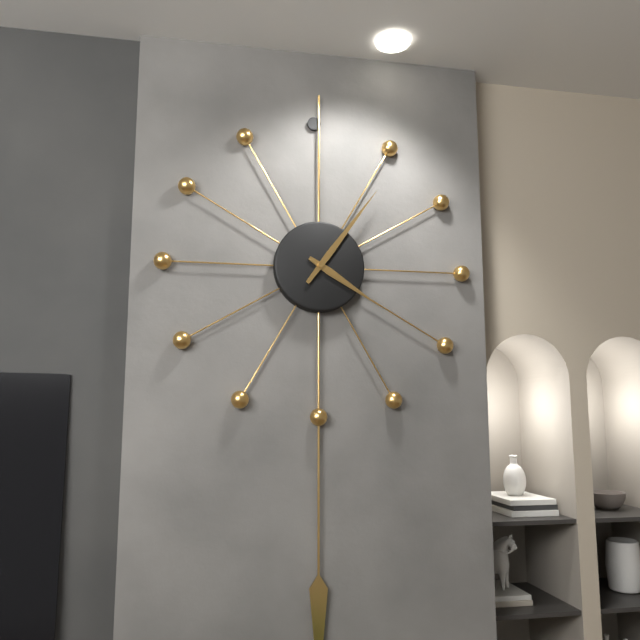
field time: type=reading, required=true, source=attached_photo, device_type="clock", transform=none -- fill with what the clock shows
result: 4:06
